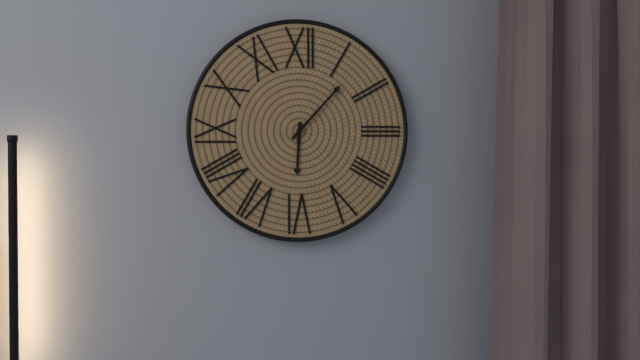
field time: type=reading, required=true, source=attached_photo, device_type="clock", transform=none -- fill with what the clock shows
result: 6:07
